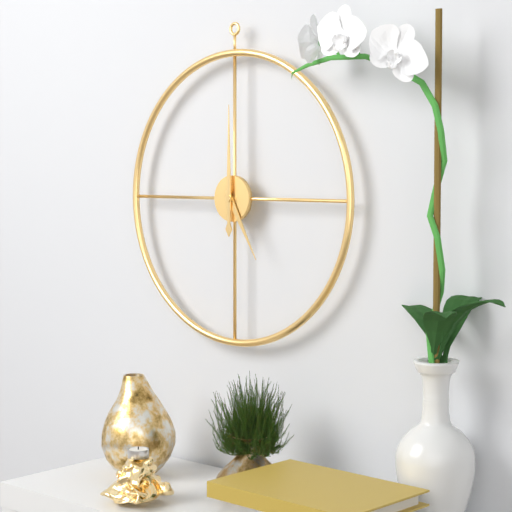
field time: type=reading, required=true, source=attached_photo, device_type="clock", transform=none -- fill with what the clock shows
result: 5:00
